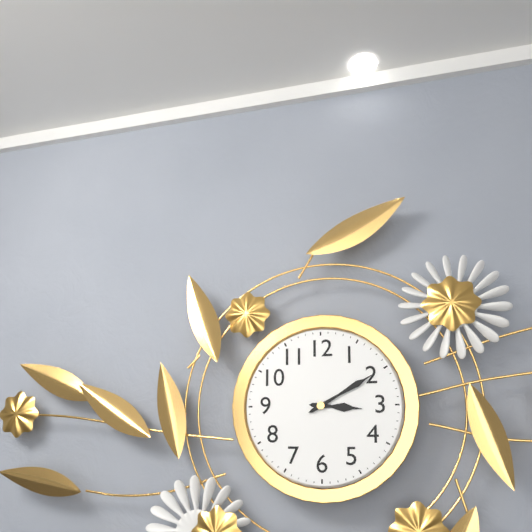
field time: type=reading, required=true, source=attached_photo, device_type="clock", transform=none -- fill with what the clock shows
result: 3:10
